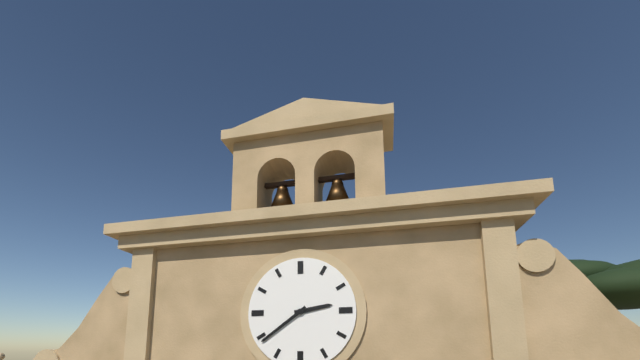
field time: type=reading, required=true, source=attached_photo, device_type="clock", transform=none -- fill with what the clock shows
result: 2:39
